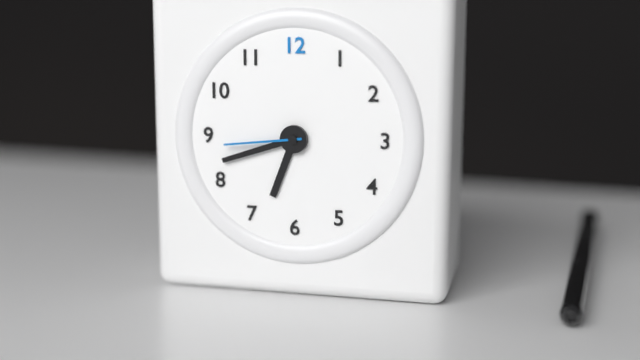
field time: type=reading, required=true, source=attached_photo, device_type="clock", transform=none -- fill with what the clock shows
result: 6:42:44
